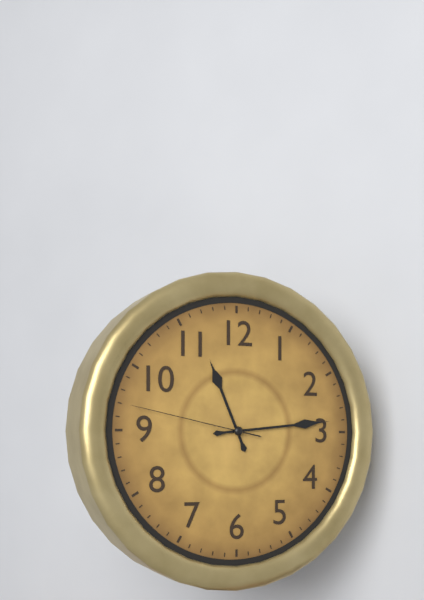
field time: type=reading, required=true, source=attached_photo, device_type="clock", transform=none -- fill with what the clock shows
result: 11:14:47
